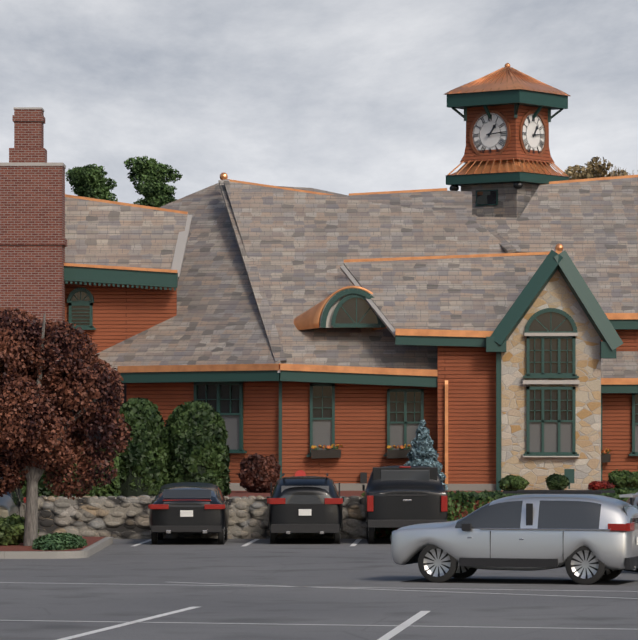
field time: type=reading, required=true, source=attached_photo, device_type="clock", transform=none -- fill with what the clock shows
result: 1:14
